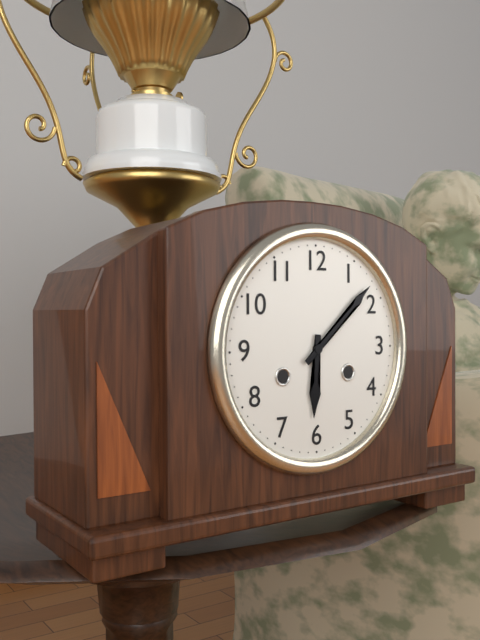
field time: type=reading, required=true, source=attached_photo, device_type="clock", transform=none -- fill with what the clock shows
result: 6:08
